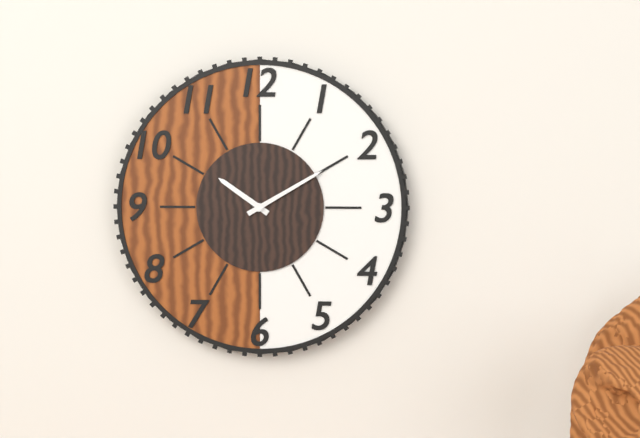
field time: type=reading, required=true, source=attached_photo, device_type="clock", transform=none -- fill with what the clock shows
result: 10:10
